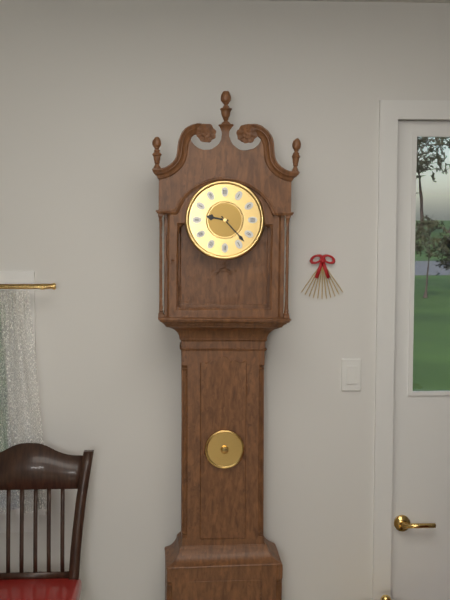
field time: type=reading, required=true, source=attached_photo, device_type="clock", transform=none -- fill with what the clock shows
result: 9:23
